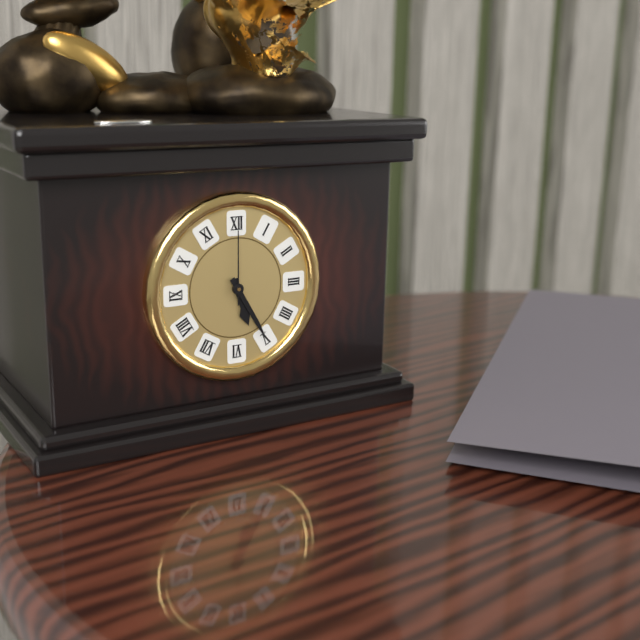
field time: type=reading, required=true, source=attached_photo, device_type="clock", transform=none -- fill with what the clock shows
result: 5:25:00
